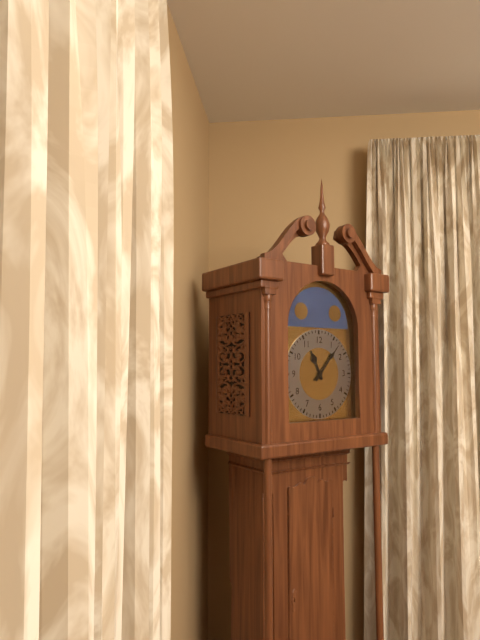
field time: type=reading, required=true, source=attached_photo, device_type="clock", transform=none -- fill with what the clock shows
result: 11:07
